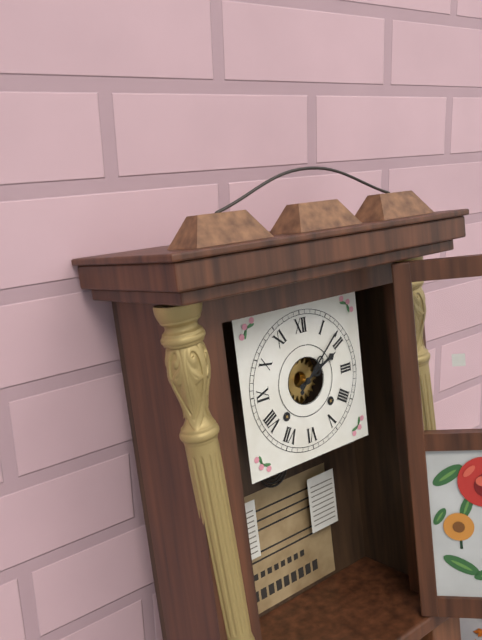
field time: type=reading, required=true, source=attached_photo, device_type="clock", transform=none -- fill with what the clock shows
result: 2:08
